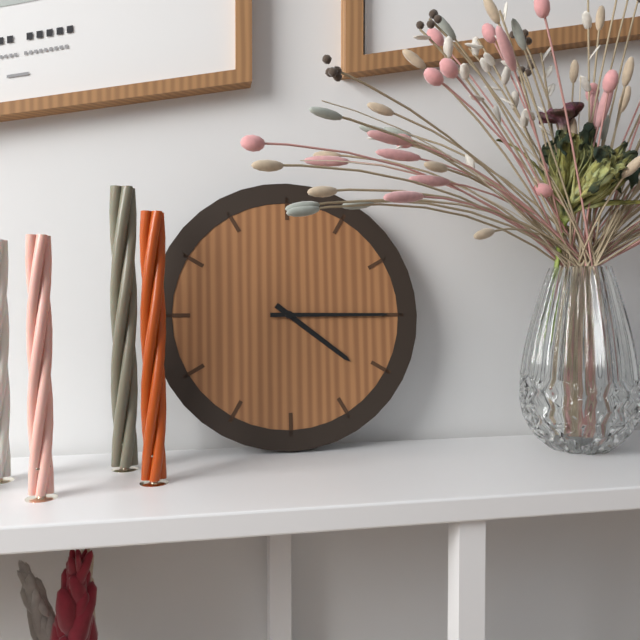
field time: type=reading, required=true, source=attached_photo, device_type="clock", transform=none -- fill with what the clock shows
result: 4:15
